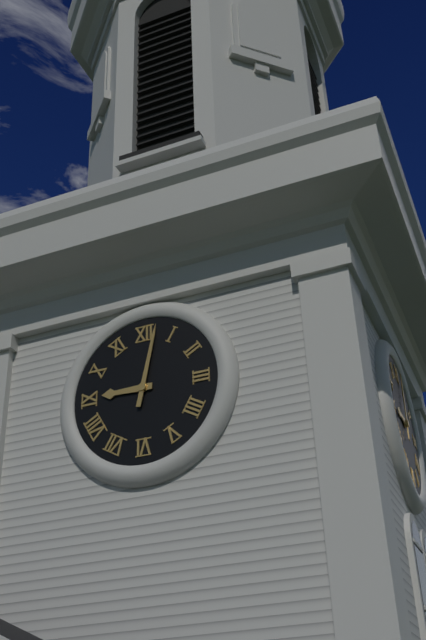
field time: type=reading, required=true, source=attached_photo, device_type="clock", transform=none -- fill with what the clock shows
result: 9:02
